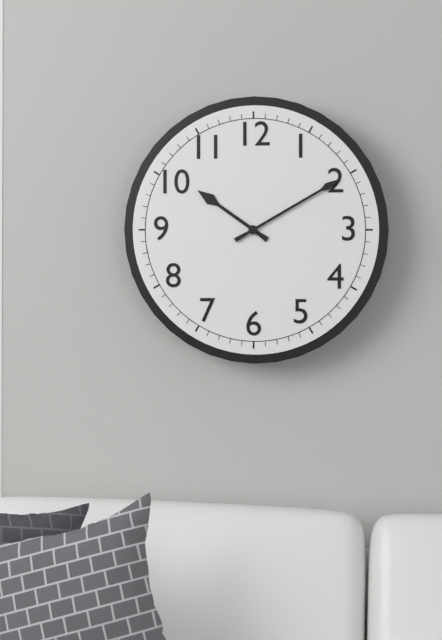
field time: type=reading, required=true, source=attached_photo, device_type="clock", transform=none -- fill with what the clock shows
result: 10:10
